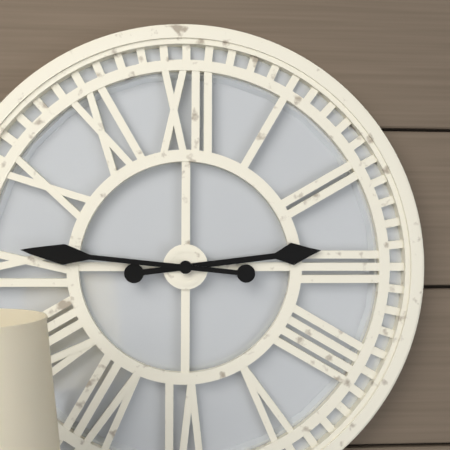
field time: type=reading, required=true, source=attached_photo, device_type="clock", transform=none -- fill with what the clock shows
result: 2:46
